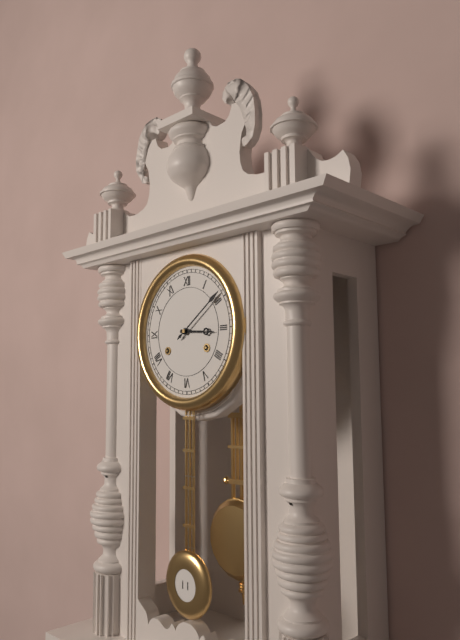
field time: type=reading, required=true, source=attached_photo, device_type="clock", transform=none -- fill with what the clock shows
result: 3:09
